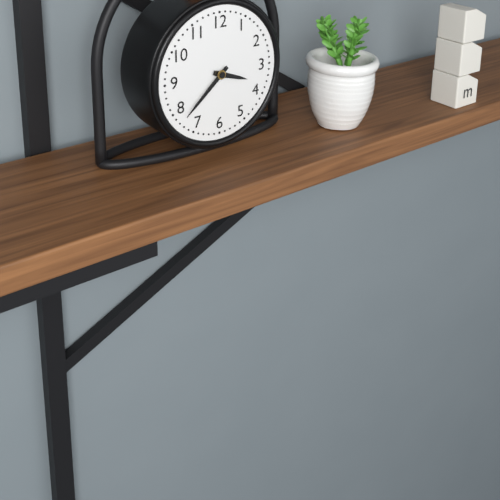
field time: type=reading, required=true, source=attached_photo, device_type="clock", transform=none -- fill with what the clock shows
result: 3:38
